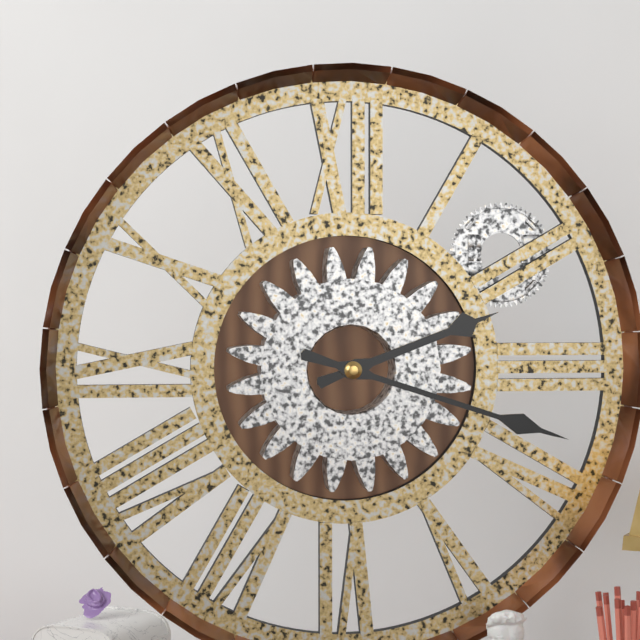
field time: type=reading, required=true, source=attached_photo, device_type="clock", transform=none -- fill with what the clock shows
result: 2:18
